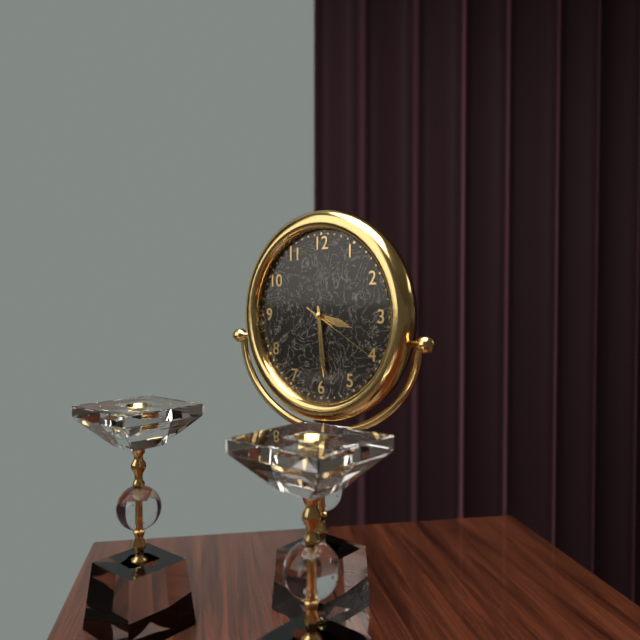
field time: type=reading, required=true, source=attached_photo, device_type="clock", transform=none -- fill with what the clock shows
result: 3:29:20
